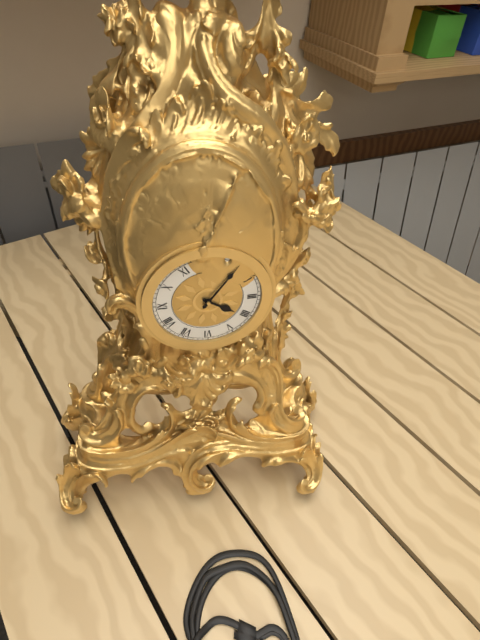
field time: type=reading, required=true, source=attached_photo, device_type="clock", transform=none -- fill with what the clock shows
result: 4:06
